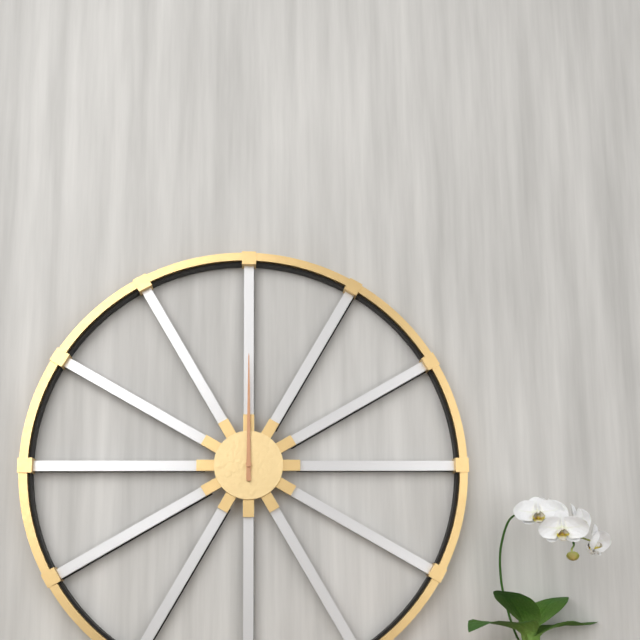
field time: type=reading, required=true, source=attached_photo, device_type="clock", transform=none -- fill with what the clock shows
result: 12:00
